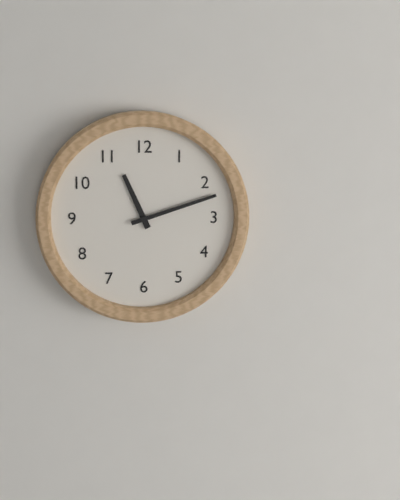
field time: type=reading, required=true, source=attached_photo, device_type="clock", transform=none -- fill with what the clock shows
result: 11:12
